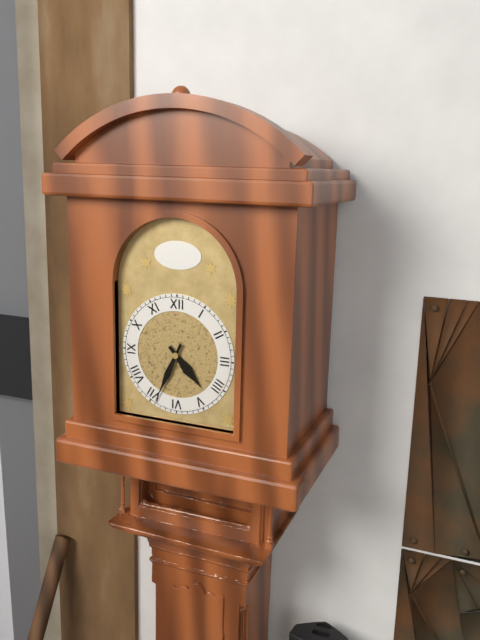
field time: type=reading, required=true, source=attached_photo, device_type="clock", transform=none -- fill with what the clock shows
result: 4:34
